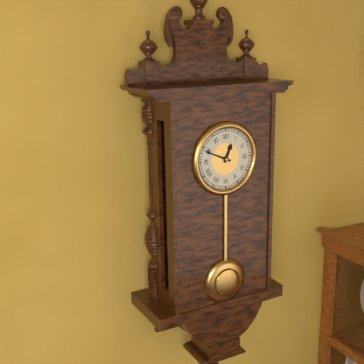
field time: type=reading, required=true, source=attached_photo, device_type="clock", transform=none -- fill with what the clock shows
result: 12:49
